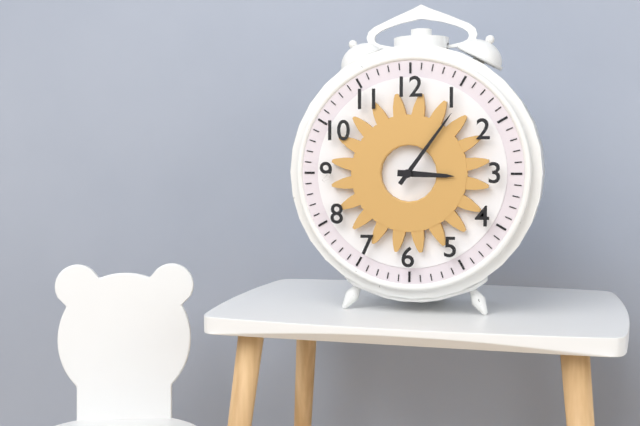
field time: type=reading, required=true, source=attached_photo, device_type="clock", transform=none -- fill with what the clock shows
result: 3:06
